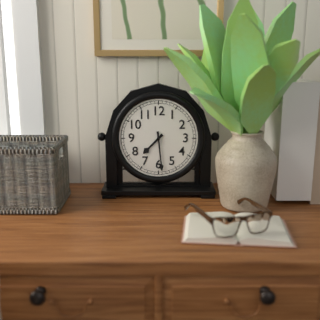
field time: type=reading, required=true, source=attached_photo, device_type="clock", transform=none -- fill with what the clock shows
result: 7:29
